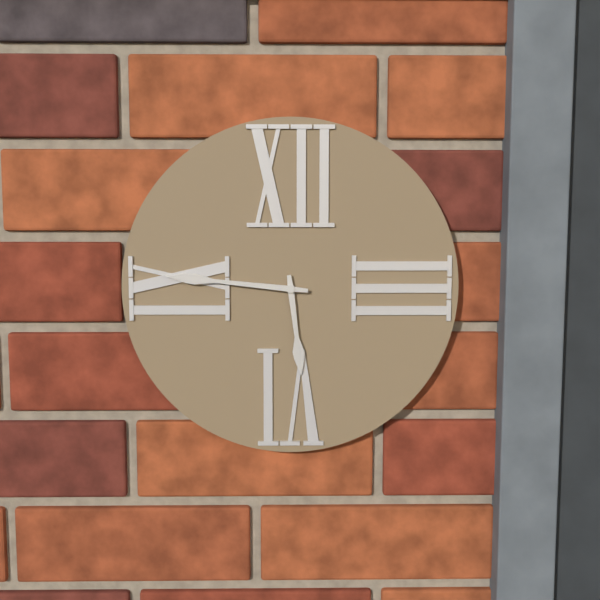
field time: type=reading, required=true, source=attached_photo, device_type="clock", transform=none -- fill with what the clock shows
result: 5:46
